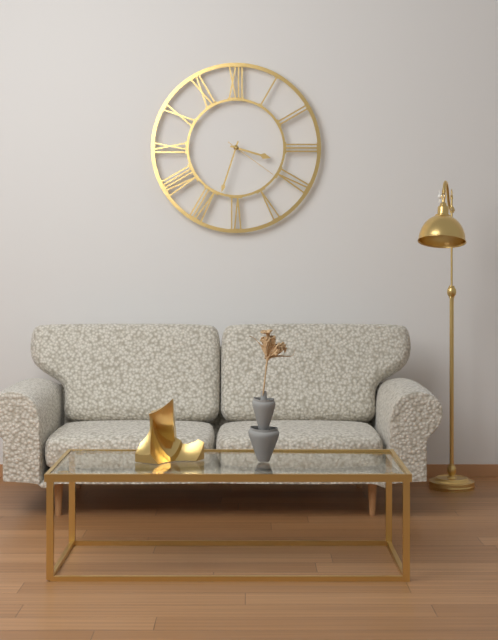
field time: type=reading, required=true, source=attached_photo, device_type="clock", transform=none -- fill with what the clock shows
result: 3:33:21
